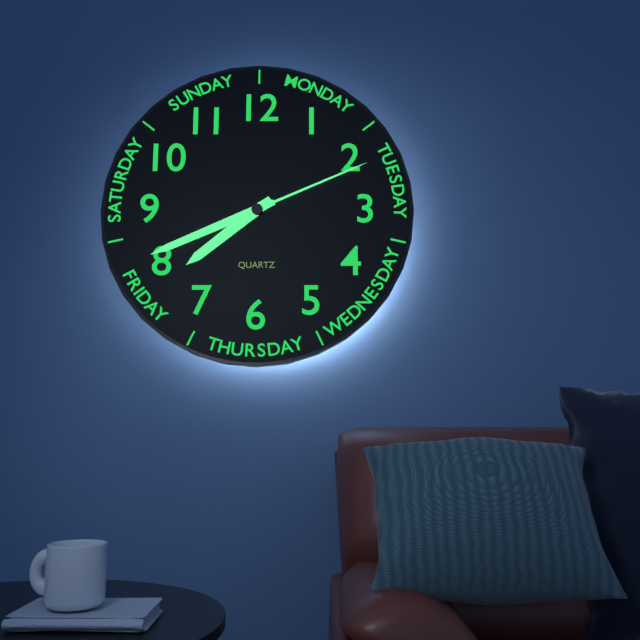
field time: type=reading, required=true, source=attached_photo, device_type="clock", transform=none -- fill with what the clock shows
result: 7:41:11
